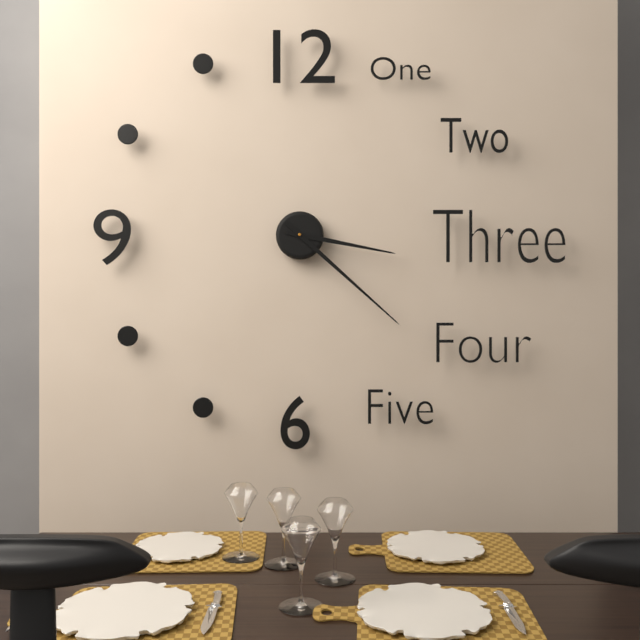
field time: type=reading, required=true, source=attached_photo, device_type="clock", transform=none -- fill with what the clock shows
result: 3:22
